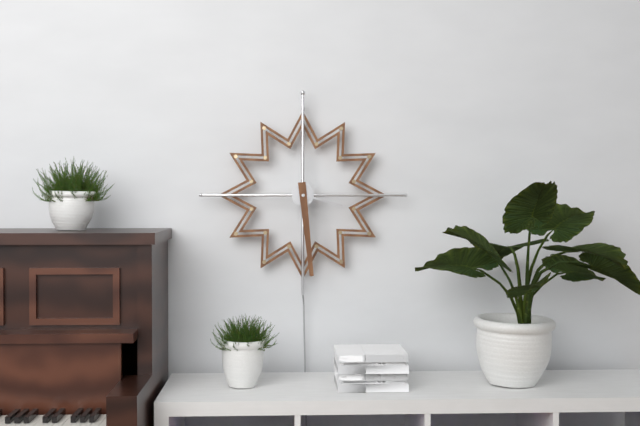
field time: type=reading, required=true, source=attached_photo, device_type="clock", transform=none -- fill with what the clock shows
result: 3:29
